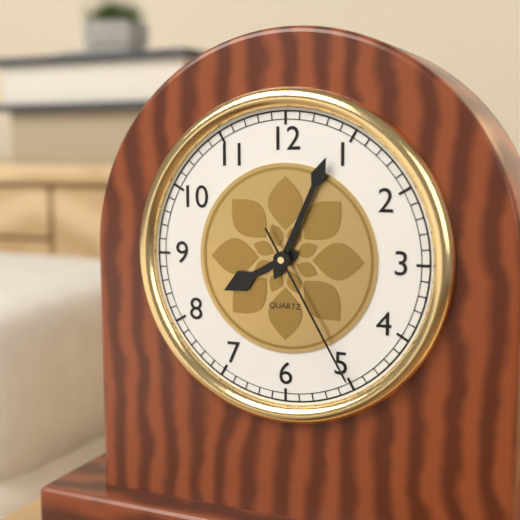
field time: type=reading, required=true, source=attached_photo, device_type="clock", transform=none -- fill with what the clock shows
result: 8:04:25
